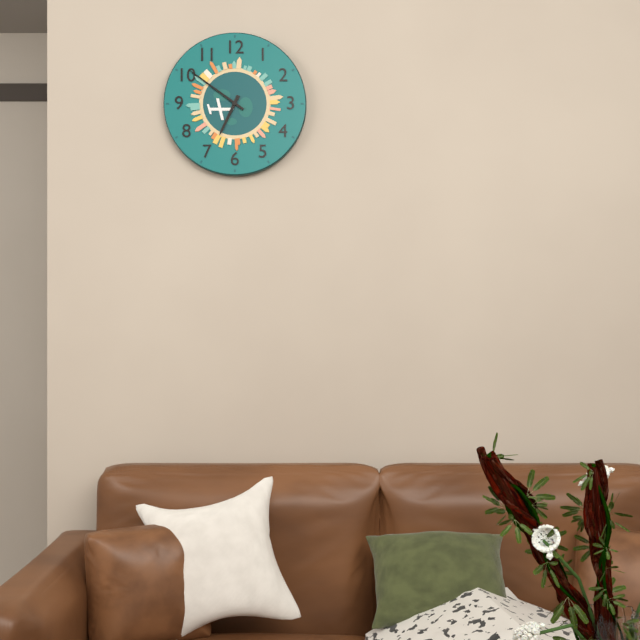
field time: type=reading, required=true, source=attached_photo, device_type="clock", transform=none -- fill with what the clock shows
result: 6:51
